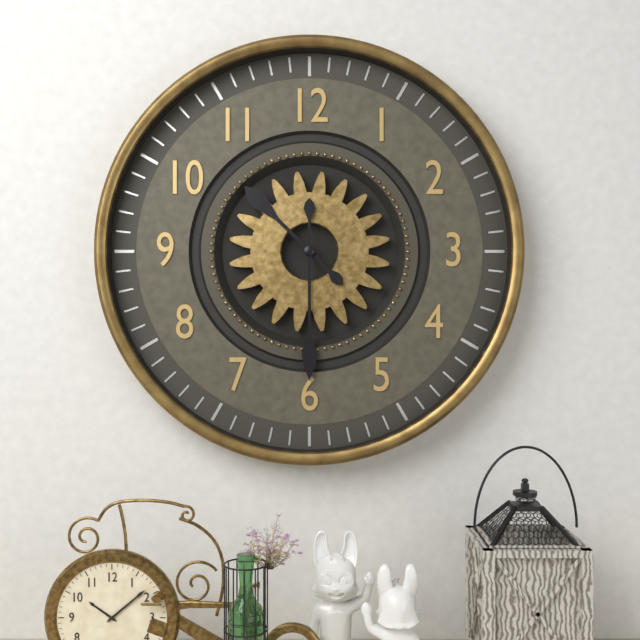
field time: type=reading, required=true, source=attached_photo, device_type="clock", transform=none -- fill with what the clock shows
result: 10:30
